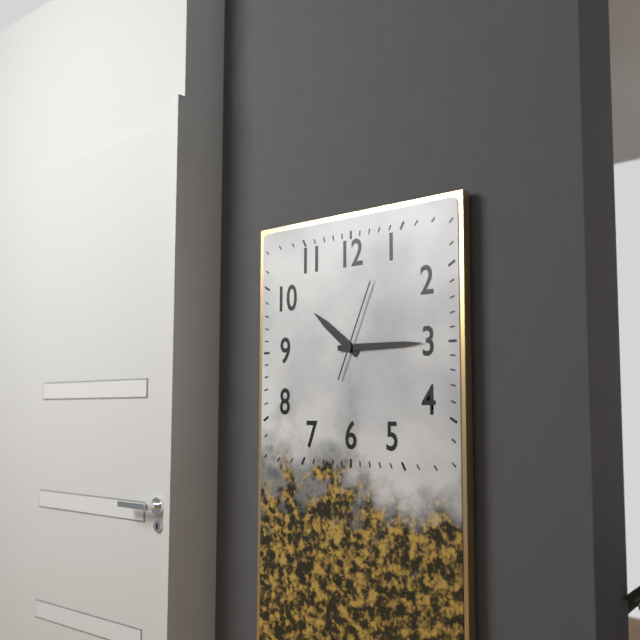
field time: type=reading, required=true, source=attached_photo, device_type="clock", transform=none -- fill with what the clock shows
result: 10:15:04
